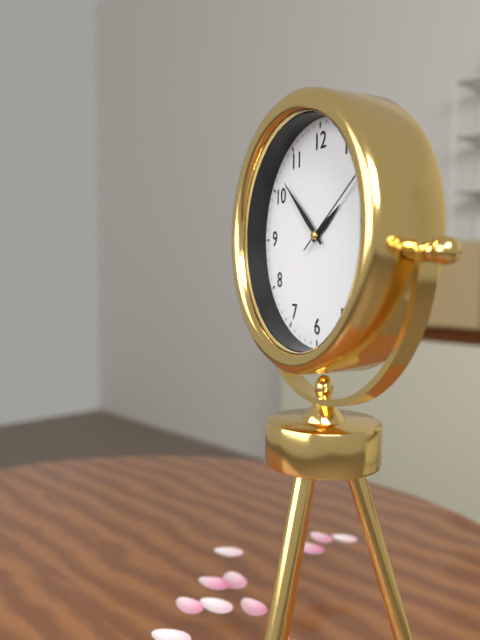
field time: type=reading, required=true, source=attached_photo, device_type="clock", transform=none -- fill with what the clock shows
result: 1:52:09
